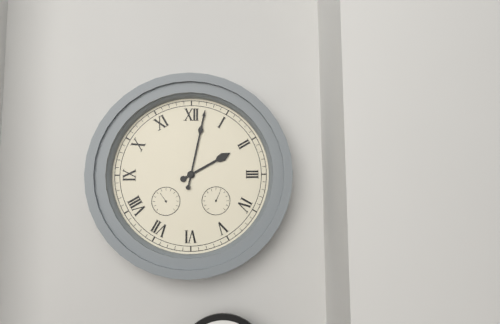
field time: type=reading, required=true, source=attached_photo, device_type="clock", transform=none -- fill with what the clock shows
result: 2:02
